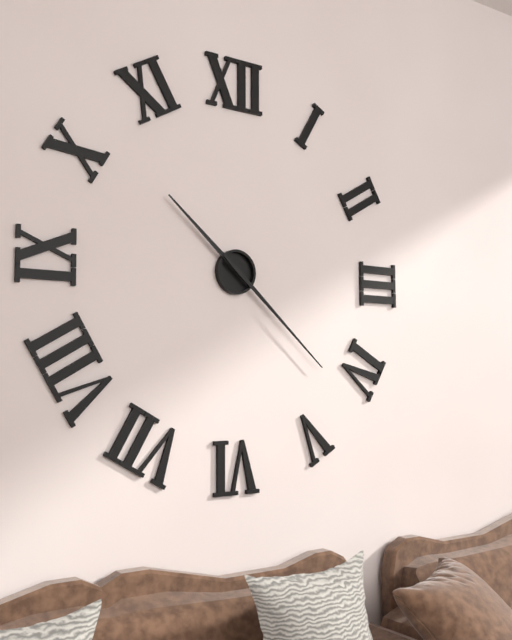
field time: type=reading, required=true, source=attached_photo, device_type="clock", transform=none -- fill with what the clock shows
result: 10:22
